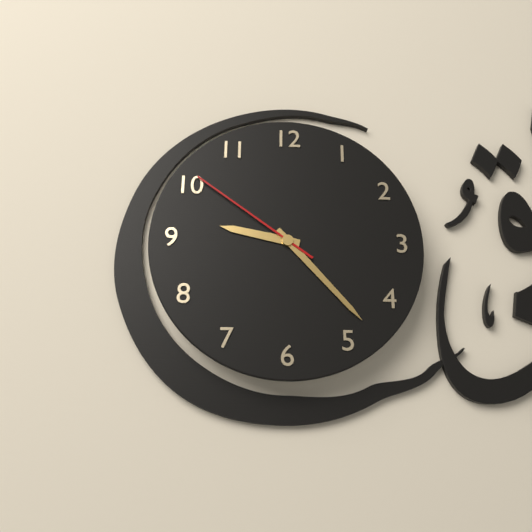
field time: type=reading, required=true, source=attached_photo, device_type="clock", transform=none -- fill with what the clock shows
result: 9:23:51
